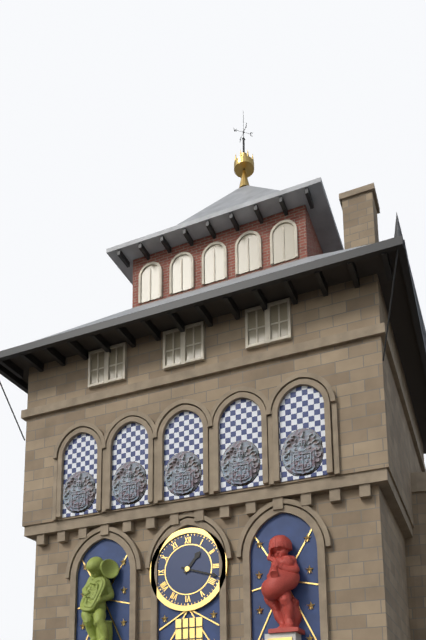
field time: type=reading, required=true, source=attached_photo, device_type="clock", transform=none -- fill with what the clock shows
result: 1:18
